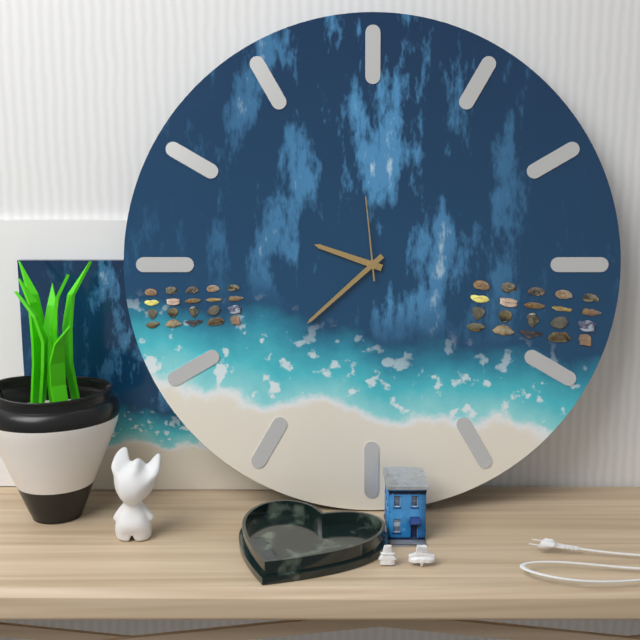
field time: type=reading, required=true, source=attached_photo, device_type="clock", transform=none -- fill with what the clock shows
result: 9:38:59
